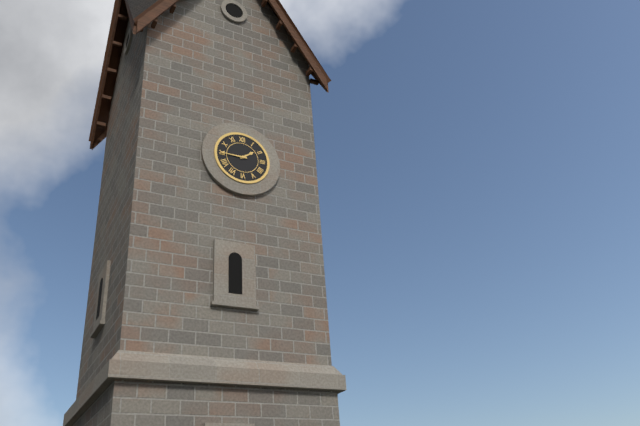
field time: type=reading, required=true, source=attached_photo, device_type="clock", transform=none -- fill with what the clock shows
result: 1:45
